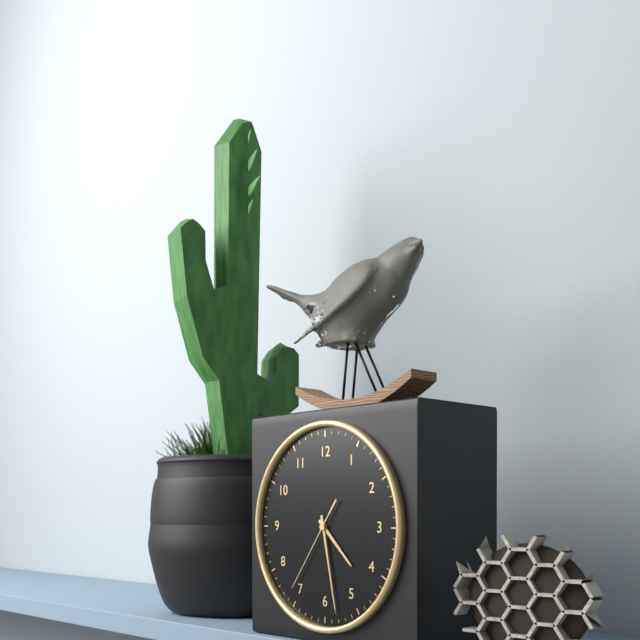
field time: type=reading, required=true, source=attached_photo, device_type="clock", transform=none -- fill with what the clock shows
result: 4:28:36
